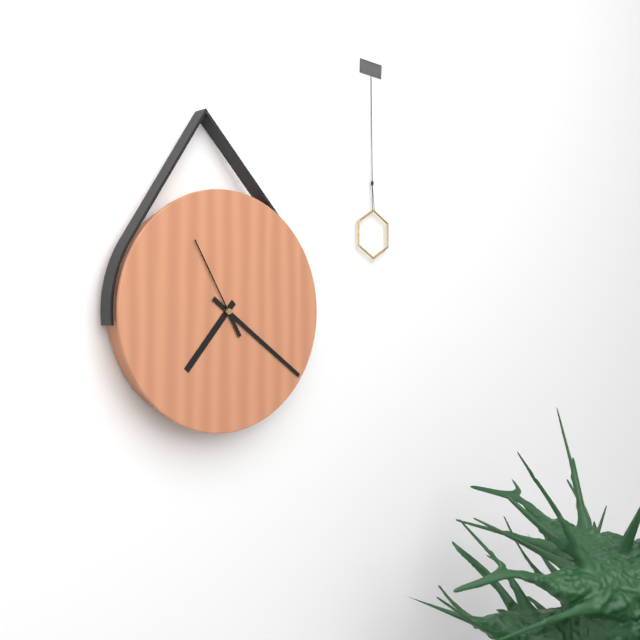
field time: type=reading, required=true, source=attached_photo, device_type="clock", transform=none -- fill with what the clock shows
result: 7:21:55
